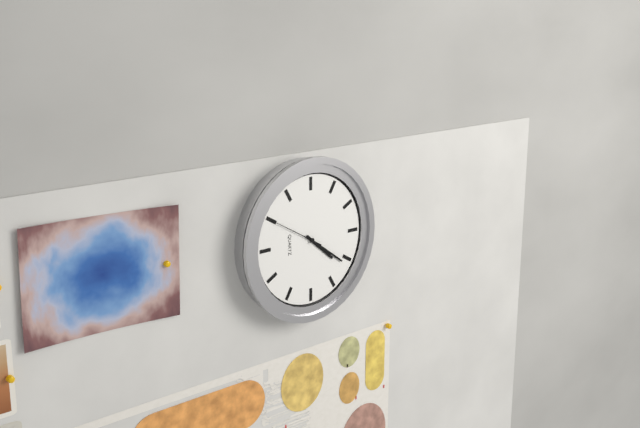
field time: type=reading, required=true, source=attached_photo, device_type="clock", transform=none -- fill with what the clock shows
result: 4:21:50
